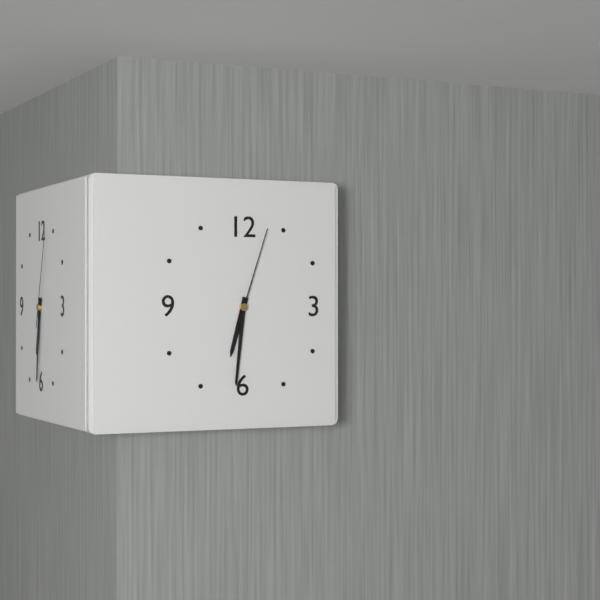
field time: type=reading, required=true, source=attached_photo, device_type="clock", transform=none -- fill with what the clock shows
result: 6:31:03
